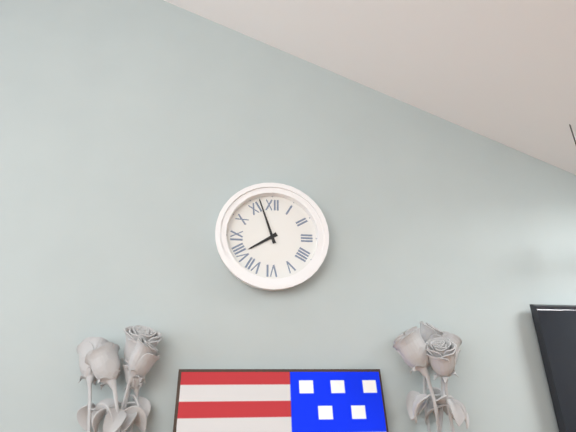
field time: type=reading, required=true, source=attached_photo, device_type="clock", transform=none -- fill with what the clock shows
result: 7:57
